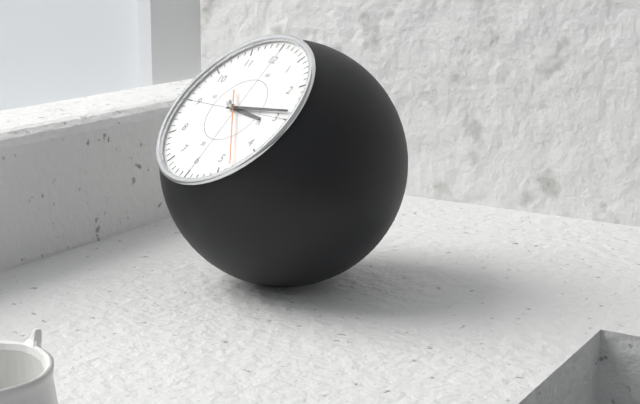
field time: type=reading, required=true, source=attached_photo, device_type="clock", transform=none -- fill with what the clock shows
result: 3:14:23
